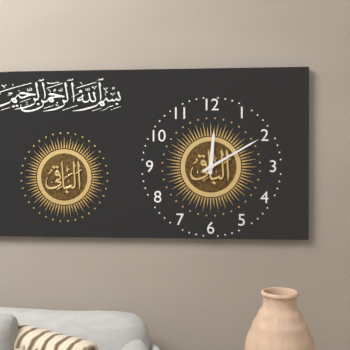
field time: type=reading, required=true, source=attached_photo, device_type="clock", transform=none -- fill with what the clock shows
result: 12:10
